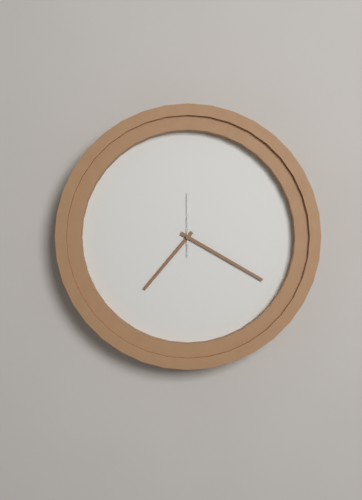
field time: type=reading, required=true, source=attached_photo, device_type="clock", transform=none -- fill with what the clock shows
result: 7:20:00
